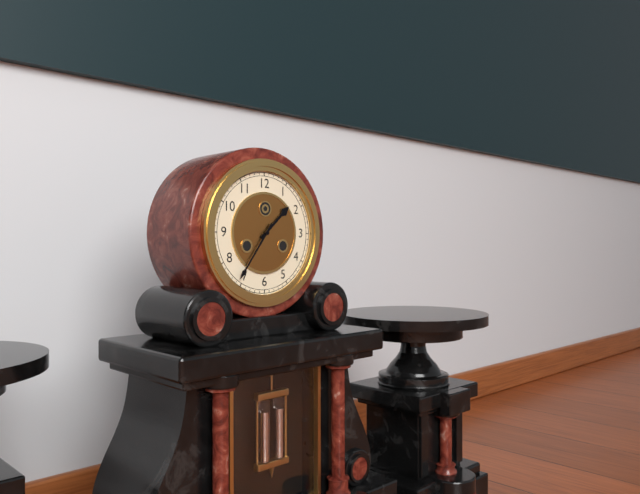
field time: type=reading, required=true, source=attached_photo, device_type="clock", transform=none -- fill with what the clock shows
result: 1:36
